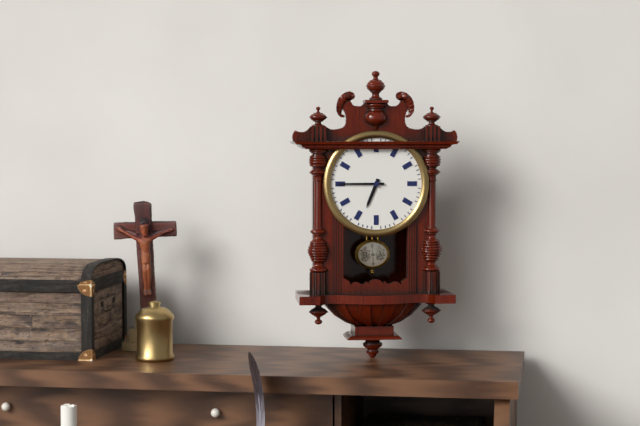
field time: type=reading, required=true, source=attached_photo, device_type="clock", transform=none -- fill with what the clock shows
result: 6:45
